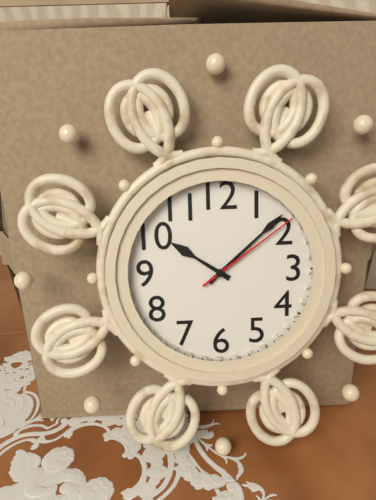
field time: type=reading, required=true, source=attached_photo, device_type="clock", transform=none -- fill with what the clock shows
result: 10:08:09
